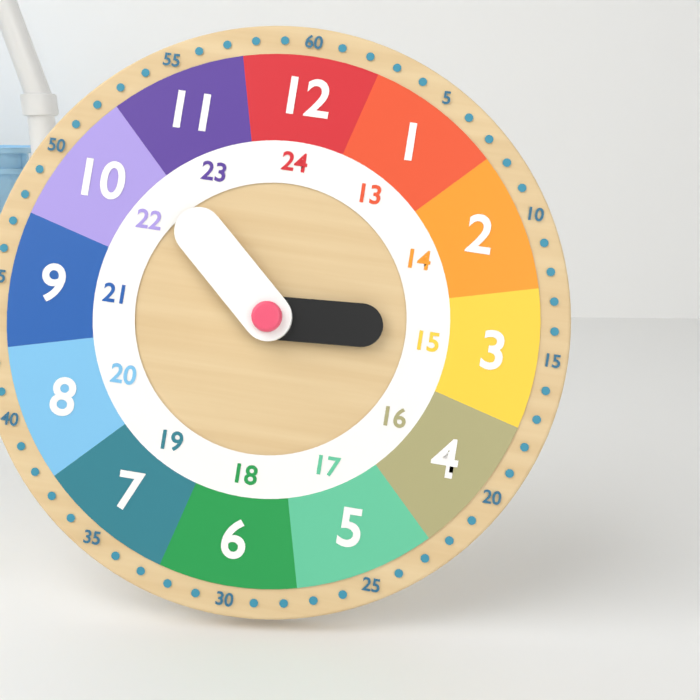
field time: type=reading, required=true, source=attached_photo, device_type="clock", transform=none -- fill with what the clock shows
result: 2:52
